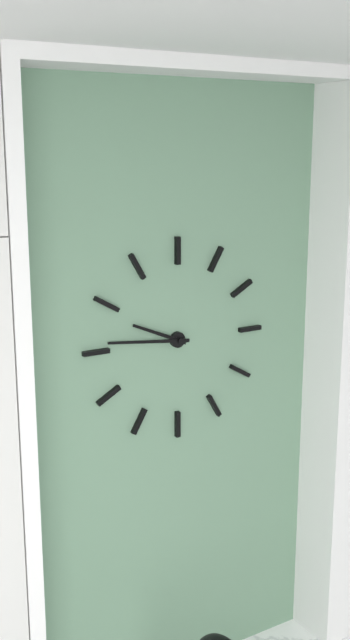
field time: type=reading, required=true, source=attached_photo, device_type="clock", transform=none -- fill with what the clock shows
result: 9:46
